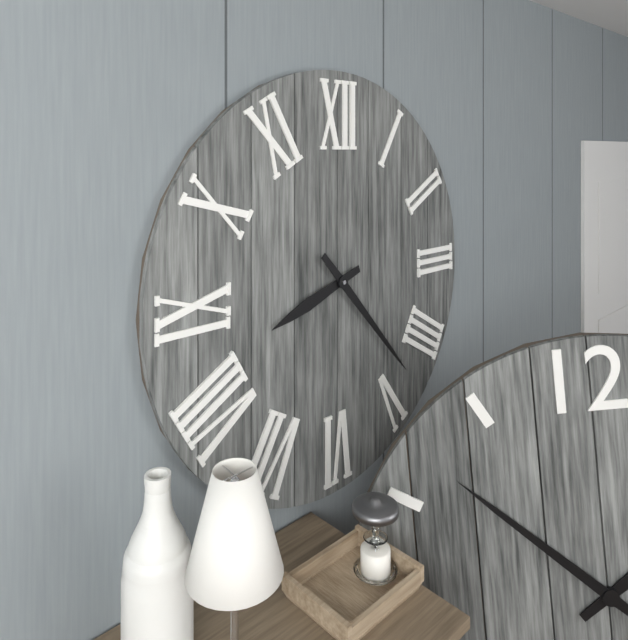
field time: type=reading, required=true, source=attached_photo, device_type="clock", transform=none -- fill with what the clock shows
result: 8:23
